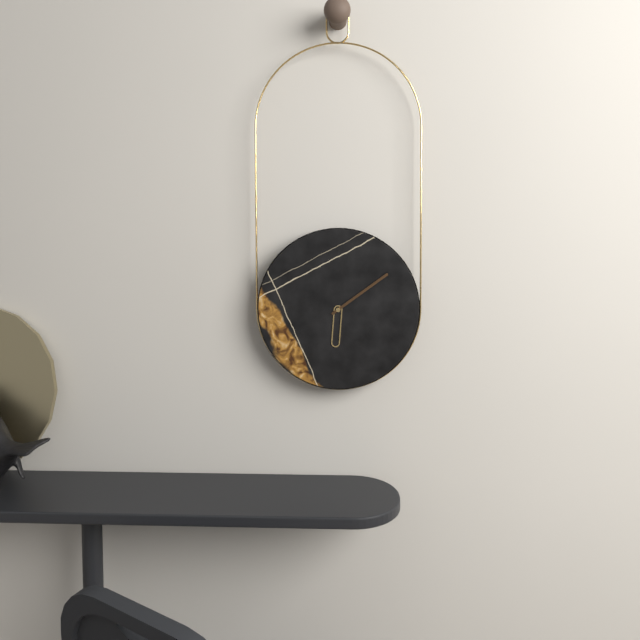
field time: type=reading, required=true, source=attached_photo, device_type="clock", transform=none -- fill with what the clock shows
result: 6:09
